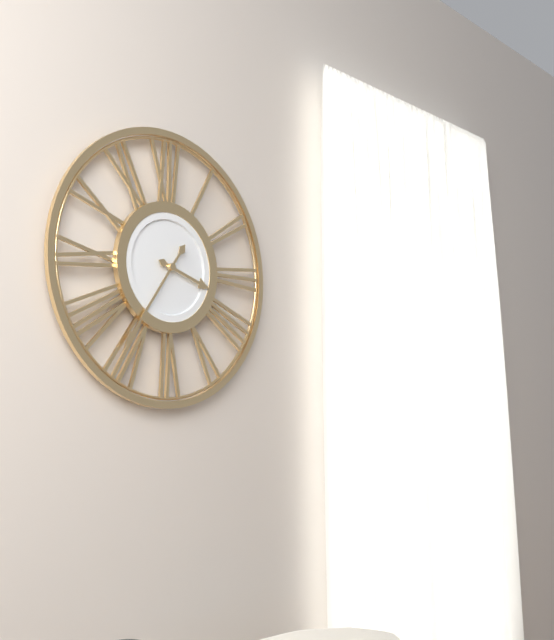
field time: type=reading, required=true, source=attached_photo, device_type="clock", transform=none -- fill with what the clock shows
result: 3:36
